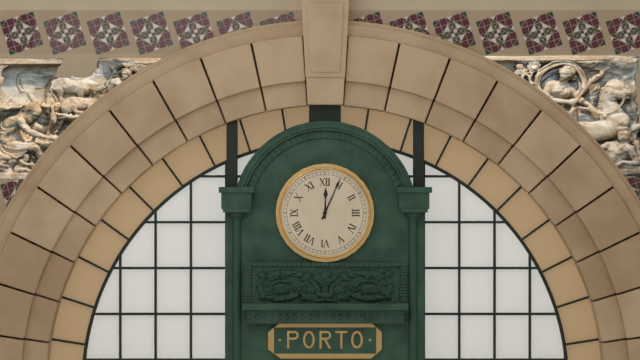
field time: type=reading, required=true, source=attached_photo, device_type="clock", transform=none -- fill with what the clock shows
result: 12:04
